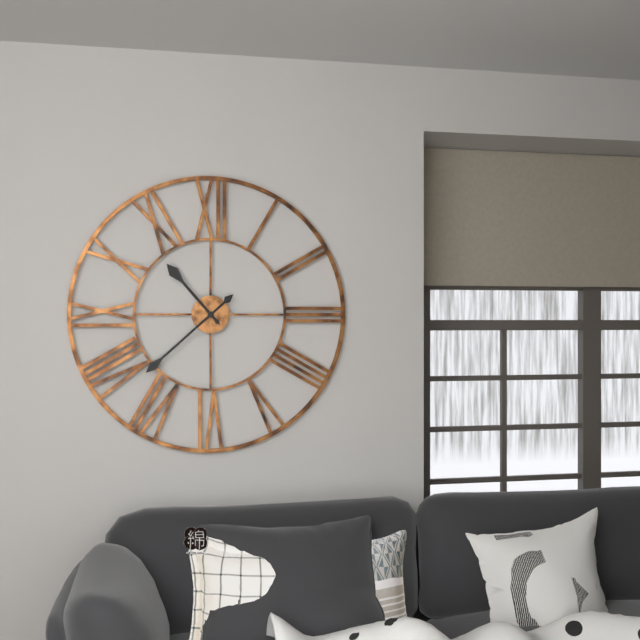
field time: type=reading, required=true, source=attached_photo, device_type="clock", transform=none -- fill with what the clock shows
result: 10:38
